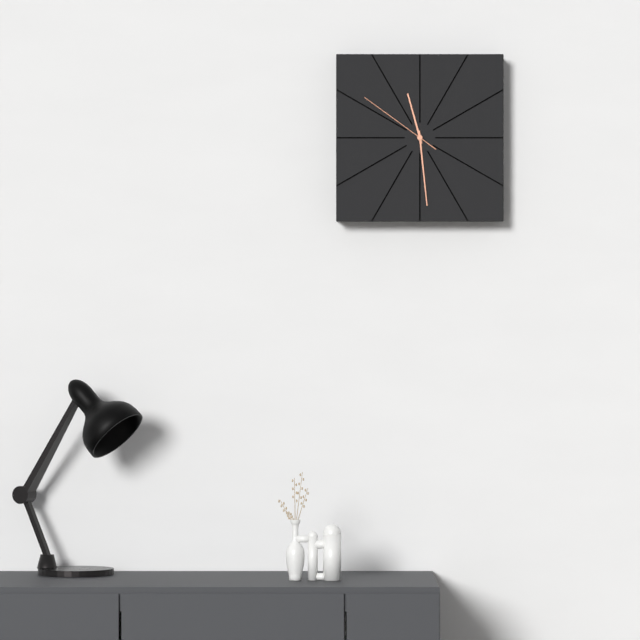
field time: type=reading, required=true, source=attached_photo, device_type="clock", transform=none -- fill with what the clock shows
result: 11:29:51
